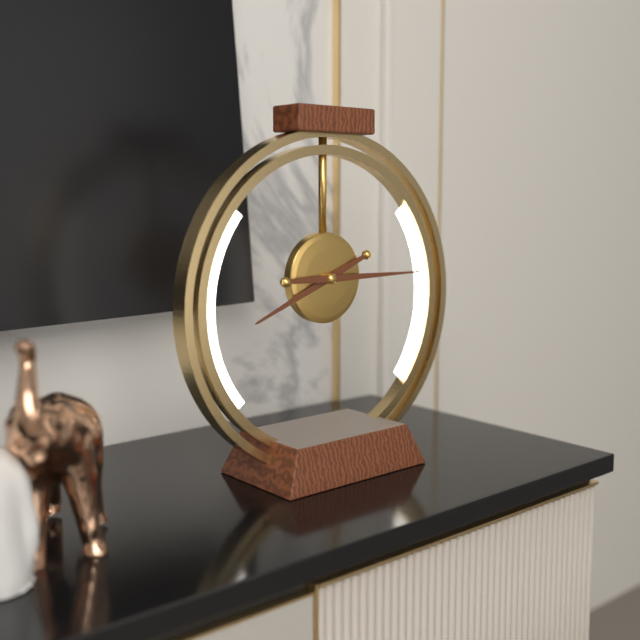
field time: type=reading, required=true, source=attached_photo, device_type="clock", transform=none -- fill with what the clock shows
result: 8:15
